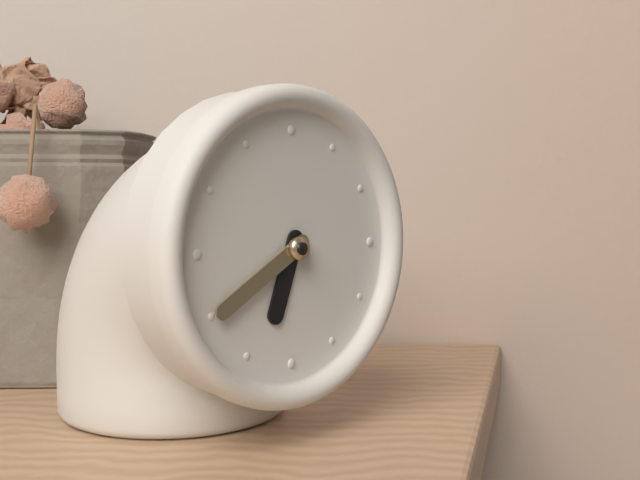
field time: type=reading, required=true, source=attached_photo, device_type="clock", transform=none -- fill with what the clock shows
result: 6:40
